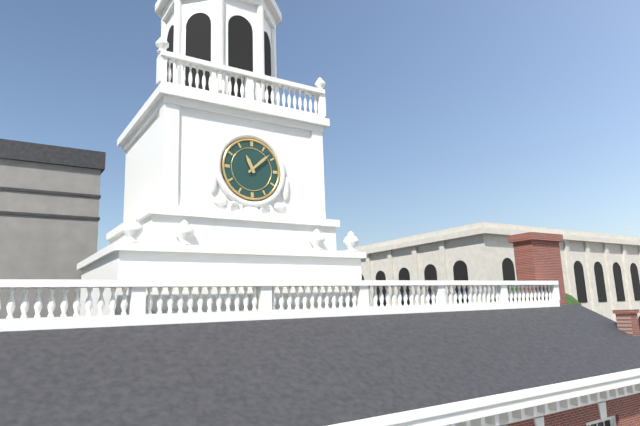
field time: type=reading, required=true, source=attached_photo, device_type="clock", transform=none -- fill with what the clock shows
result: 11:08
